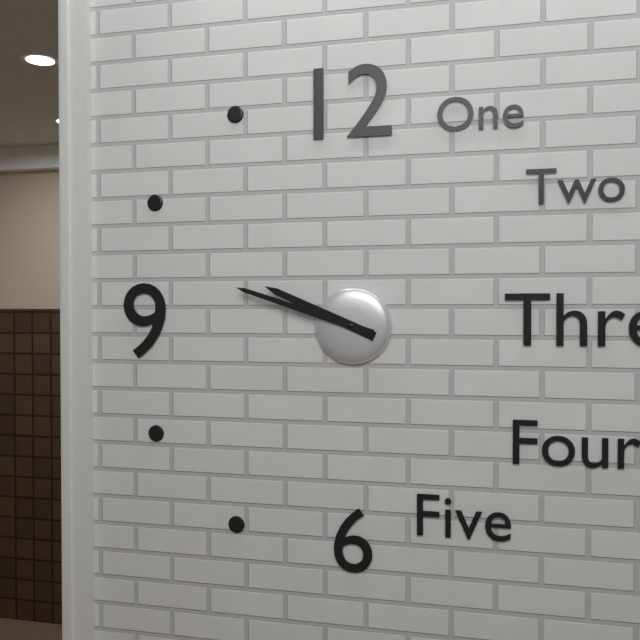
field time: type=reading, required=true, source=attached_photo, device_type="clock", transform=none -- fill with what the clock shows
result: 9:48
